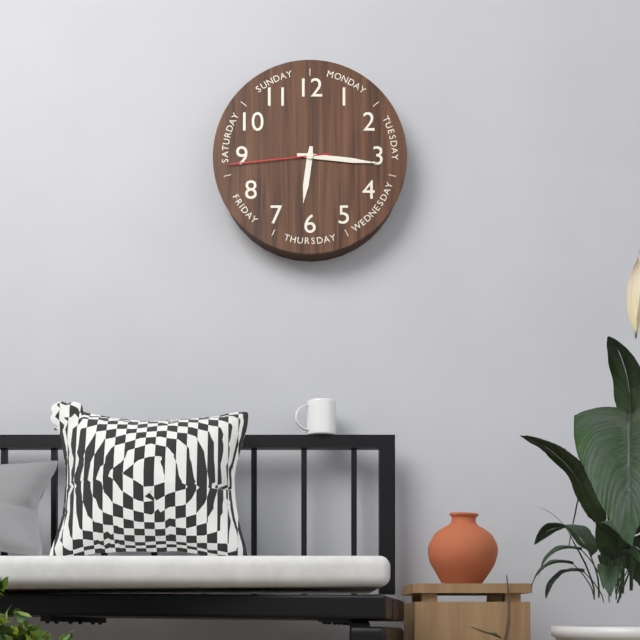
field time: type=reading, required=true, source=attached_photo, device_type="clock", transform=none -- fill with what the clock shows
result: 6:16:44
